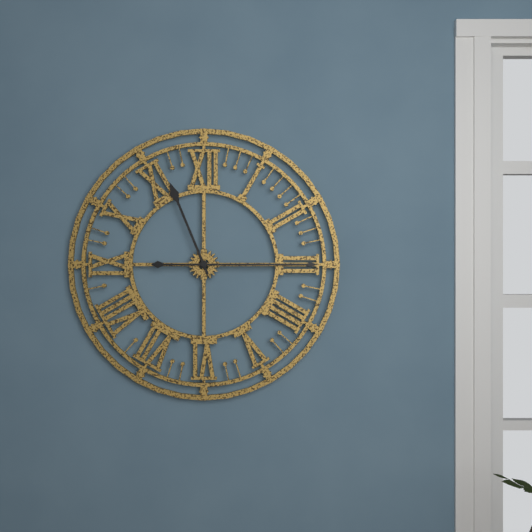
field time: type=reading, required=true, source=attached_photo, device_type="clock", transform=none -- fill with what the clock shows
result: 11:15
